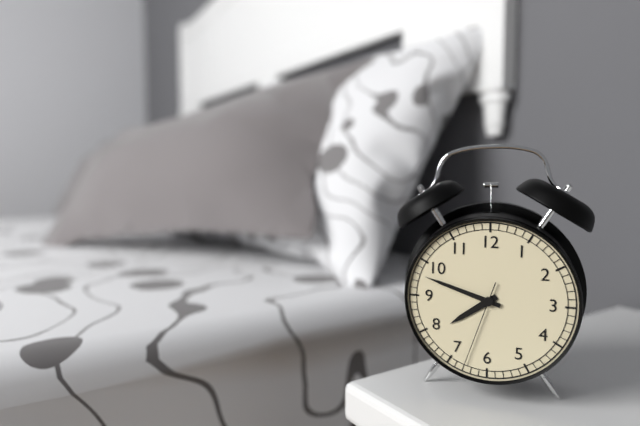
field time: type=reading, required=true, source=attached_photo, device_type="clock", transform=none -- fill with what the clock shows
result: 7:48:33
